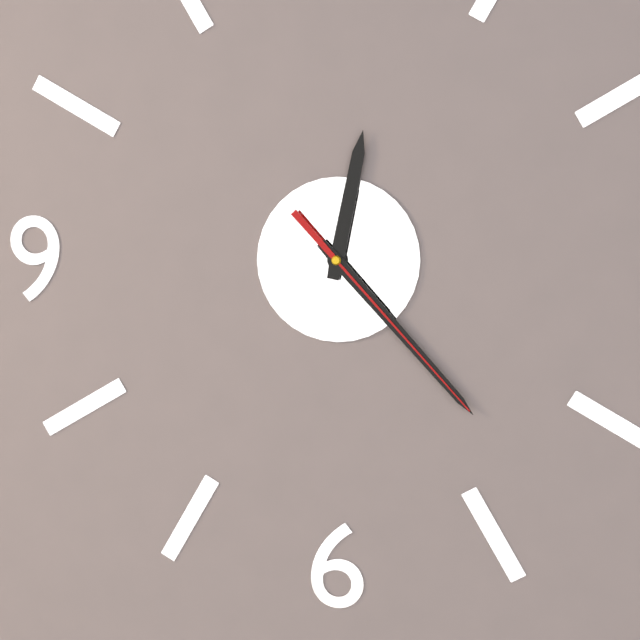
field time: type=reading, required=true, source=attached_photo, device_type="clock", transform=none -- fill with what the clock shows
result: 12:23:23
